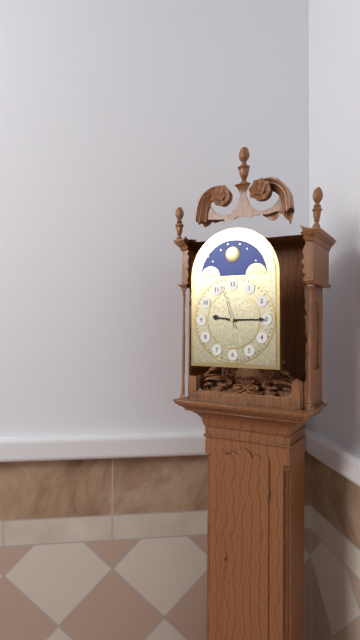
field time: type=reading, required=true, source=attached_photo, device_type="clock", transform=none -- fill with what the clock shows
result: 9:15
